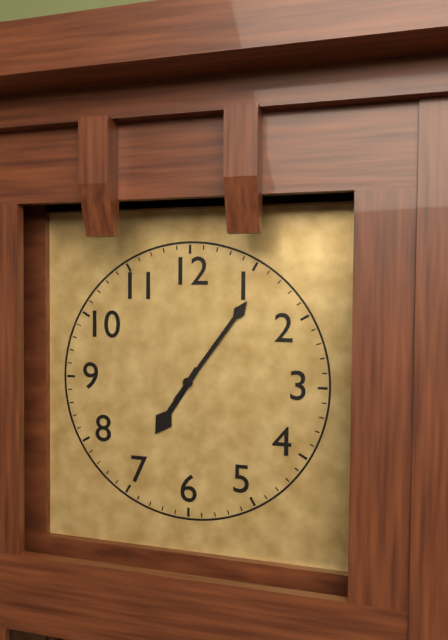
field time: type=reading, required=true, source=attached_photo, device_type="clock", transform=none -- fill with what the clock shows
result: 7:06
